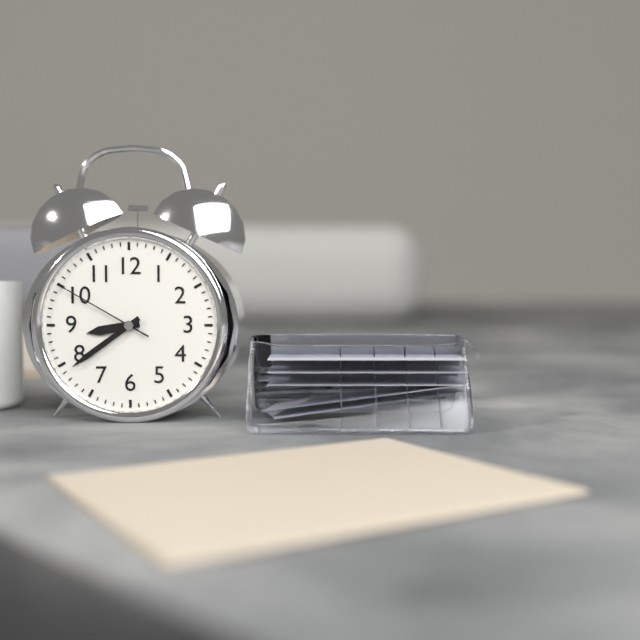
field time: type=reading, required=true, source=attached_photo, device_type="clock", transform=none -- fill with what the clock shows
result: 8:39:50
